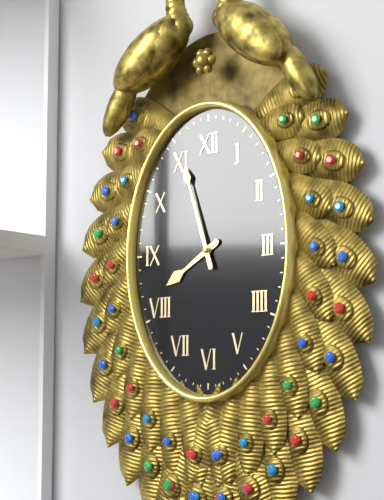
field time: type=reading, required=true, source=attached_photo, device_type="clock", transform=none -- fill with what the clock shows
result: 7:57
